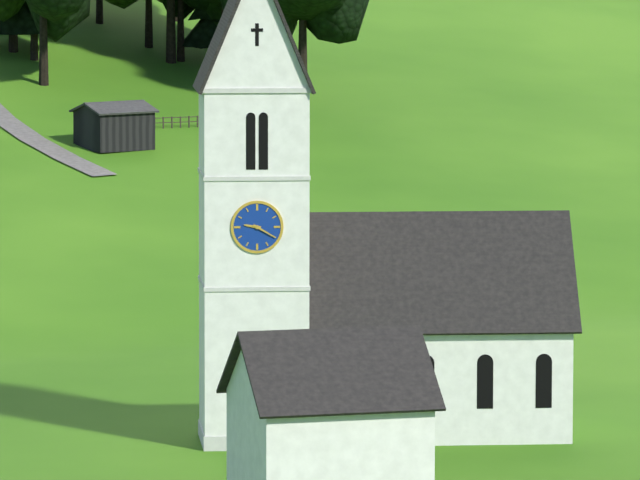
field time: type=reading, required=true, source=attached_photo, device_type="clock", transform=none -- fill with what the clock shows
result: 9:20
